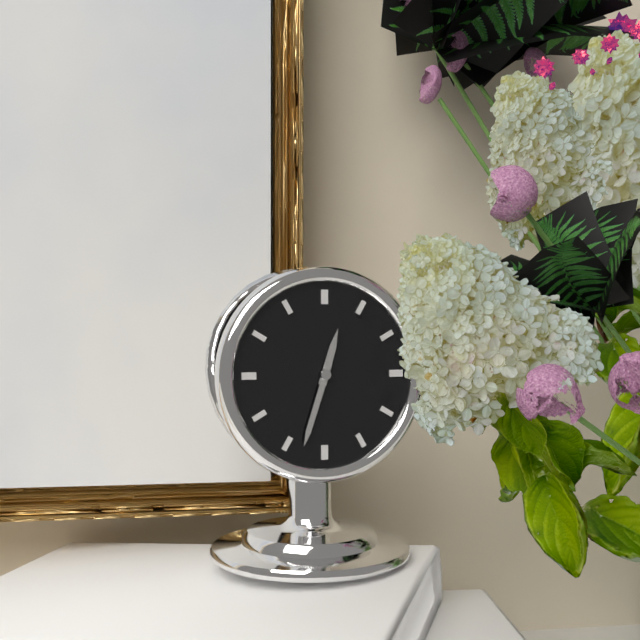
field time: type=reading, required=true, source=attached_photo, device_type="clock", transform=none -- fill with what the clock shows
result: 12:33
